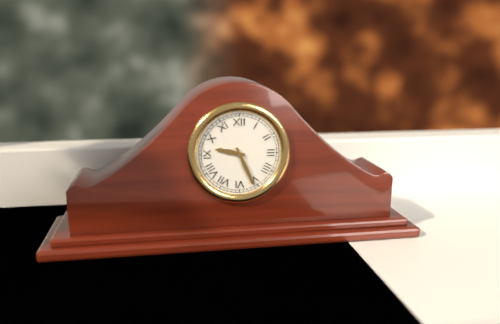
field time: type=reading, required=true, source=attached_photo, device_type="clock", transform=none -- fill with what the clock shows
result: 9:26
